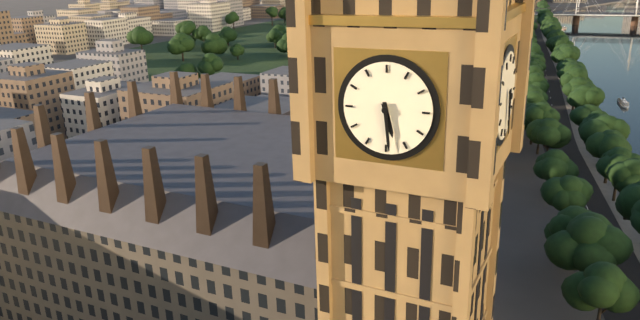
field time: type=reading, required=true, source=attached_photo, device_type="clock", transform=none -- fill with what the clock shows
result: 5:29
